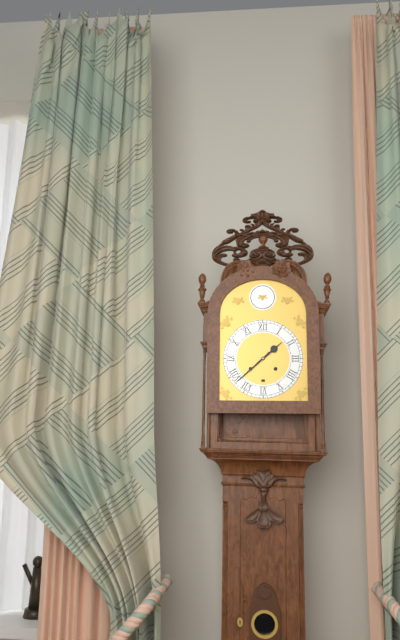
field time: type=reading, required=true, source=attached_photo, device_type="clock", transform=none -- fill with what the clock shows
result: 1:38
